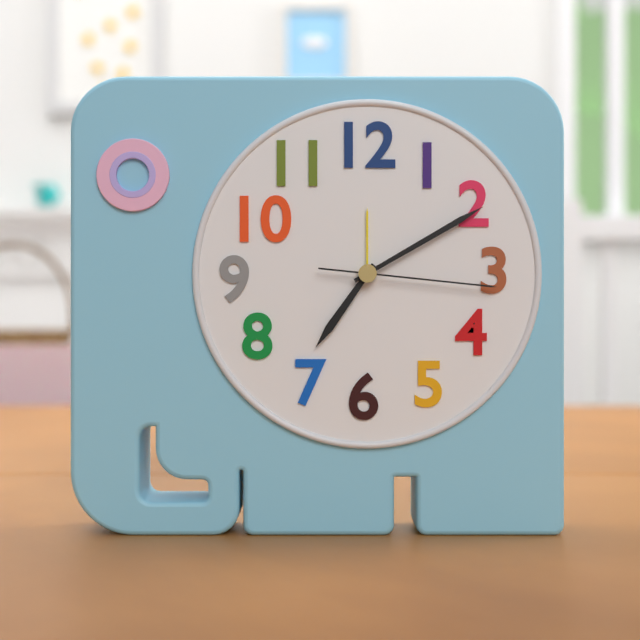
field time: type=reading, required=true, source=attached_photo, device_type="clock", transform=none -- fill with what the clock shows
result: 7:10:16
